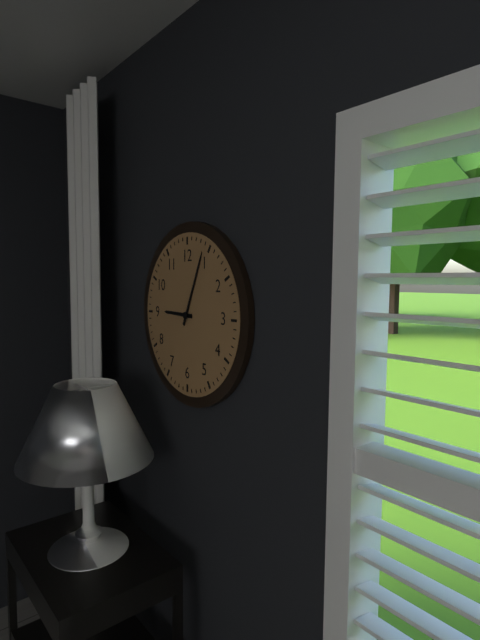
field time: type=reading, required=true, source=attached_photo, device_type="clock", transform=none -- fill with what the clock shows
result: 9:04
